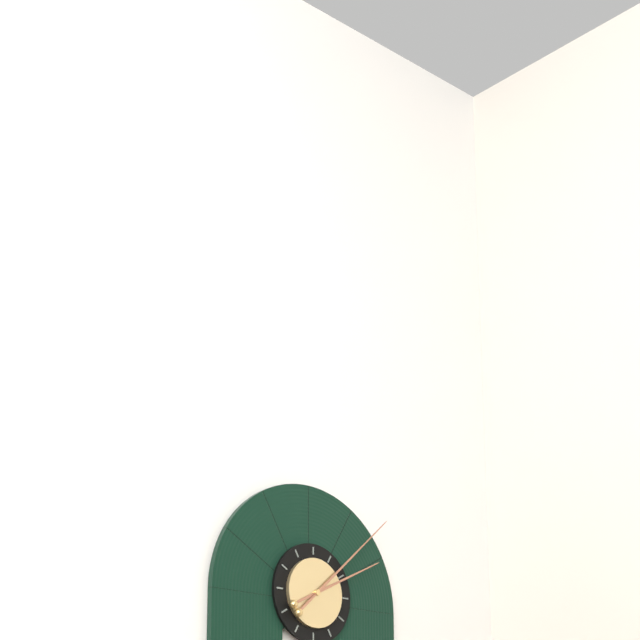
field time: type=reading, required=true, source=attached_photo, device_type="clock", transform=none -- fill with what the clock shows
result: 2:08
